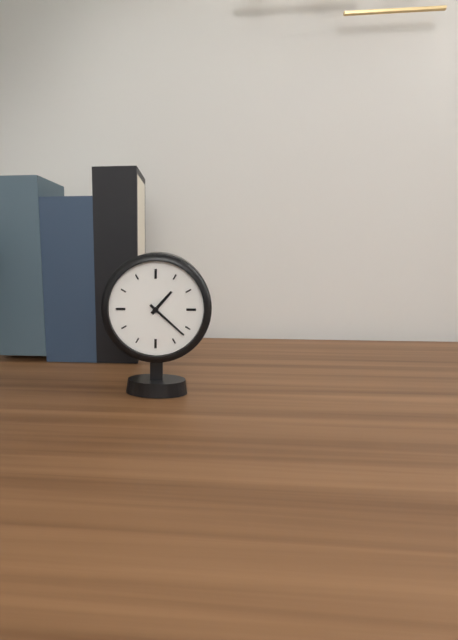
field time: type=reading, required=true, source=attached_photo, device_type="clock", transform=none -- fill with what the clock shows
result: 1:22
